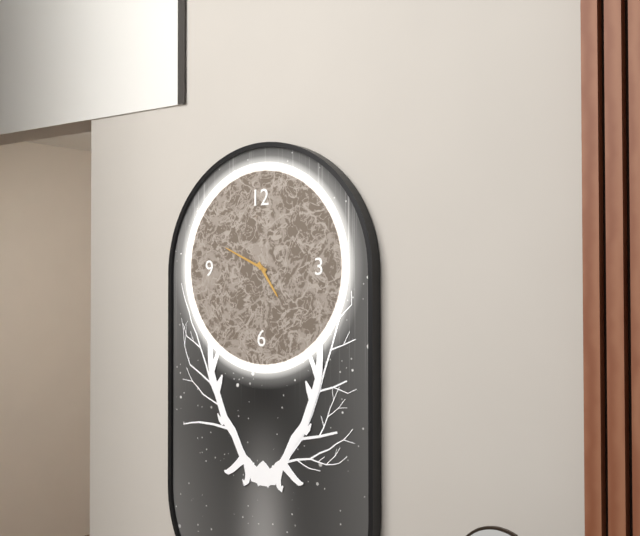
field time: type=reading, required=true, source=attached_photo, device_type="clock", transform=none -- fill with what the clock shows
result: 4:49
